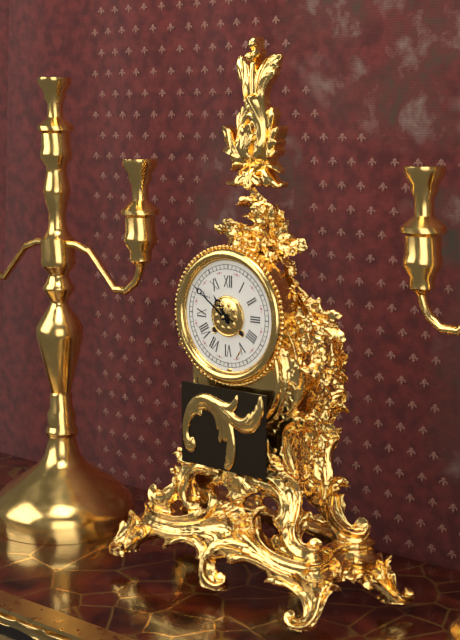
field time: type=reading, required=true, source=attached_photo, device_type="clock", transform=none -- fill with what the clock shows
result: 10:51
